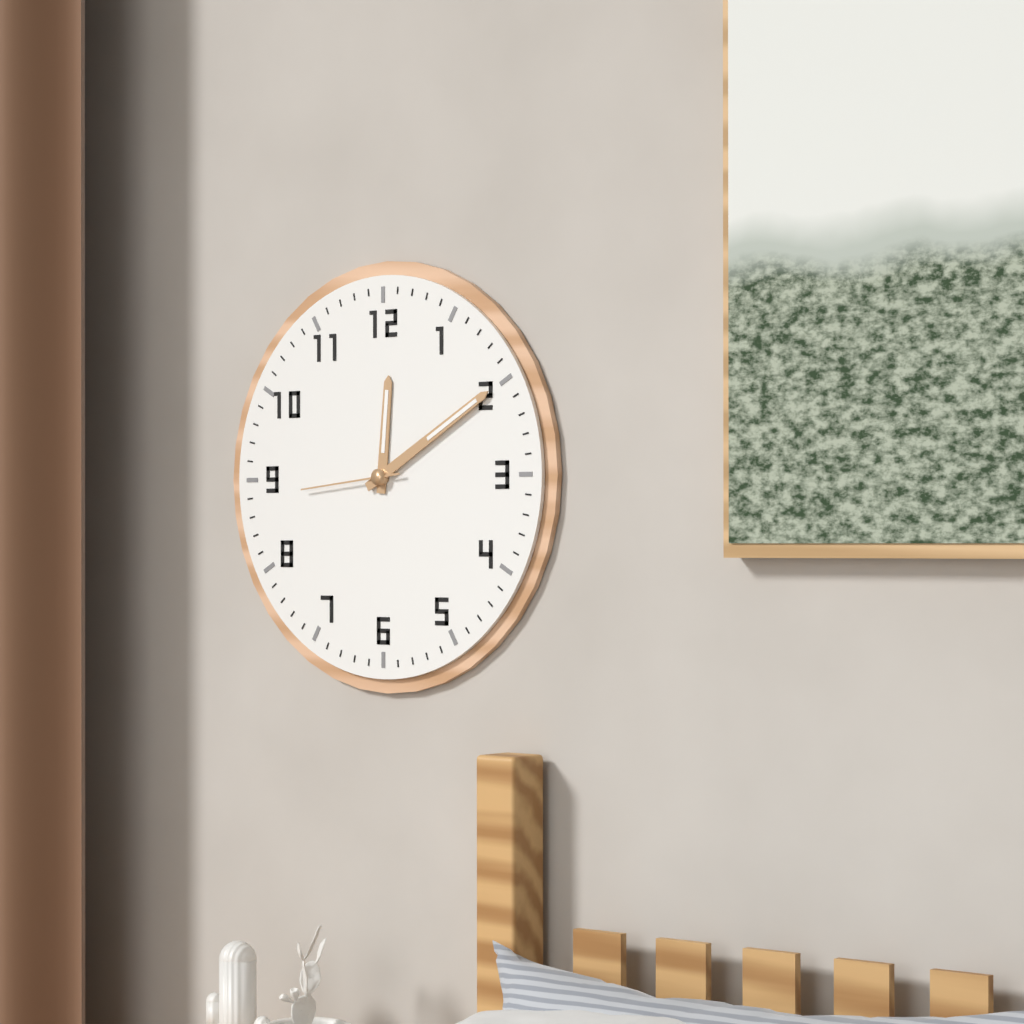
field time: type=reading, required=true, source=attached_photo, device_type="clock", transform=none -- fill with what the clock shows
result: 12:10:44
